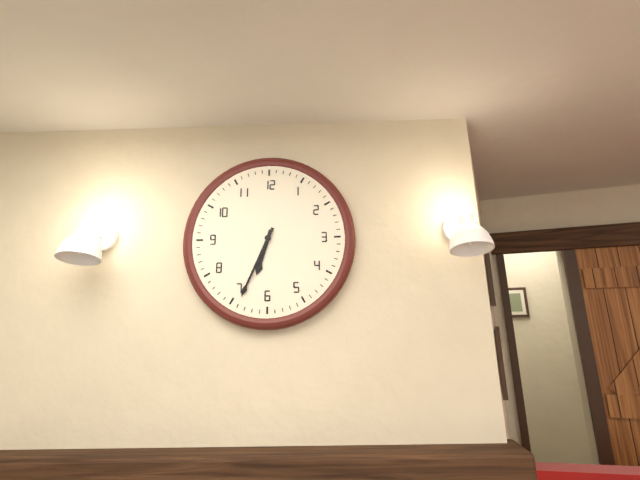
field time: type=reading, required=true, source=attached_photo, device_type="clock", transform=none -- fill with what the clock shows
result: 6:34
